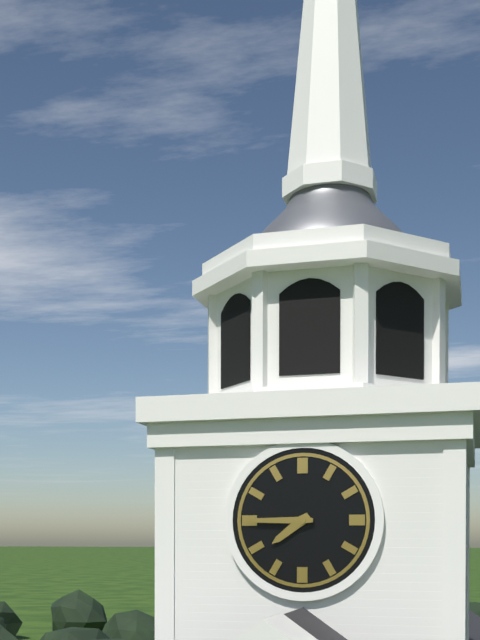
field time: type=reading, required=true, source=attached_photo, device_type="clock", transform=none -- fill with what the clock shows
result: 7:45
